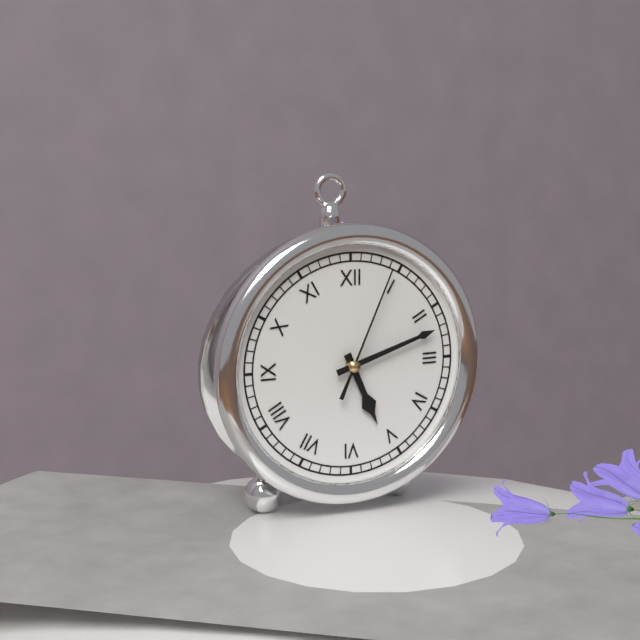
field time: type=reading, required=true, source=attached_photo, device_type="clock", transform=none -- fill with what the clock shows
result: 5:12:04
